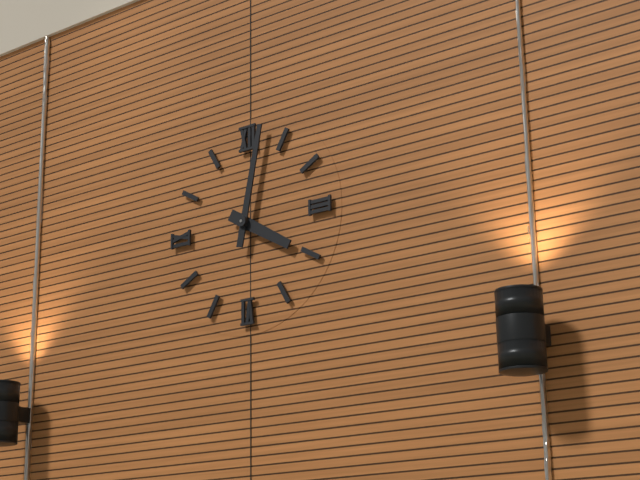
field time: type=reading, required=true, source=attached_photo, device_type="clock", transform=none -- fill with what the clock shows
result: 4:02
